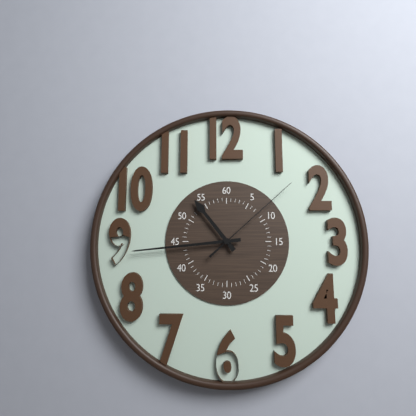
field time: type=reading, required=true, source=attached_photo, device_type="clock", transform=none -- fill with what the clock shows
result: 10:44:08
